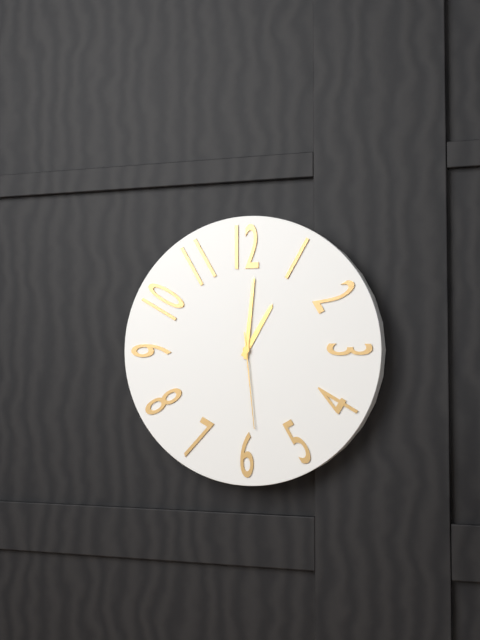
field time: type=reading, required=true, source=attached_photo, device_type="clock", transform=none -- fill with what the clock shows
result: 1:01:29
